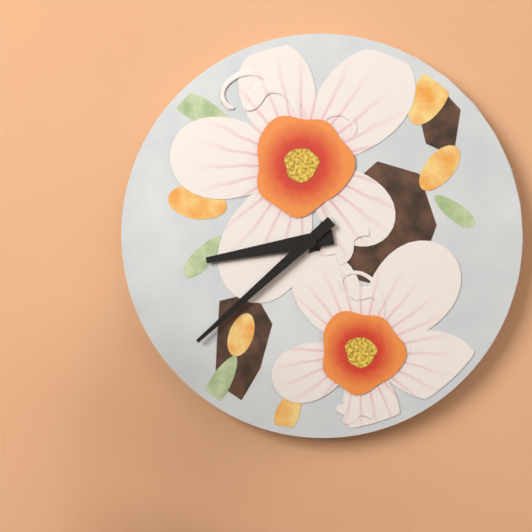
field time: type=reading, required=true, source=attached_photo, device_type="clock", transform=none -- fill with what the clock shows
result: 8:38
